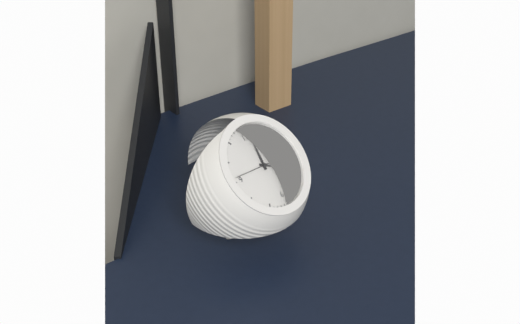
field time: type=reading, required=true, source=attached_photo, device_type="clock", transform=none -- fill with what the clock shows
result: 12:20
